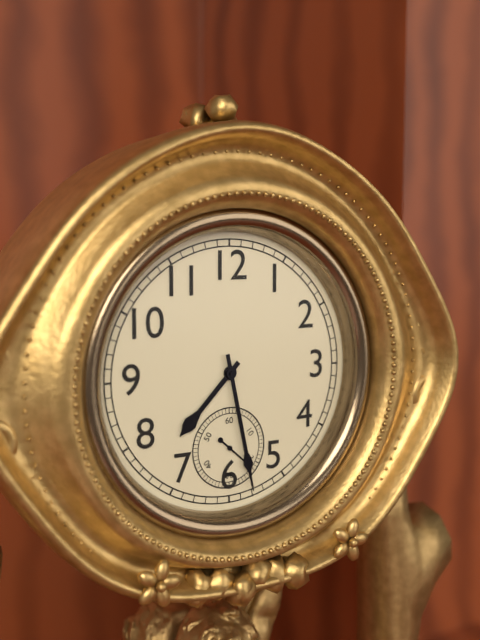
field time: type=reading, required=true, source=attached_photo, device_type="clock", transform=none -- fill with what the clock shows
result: 7:28
